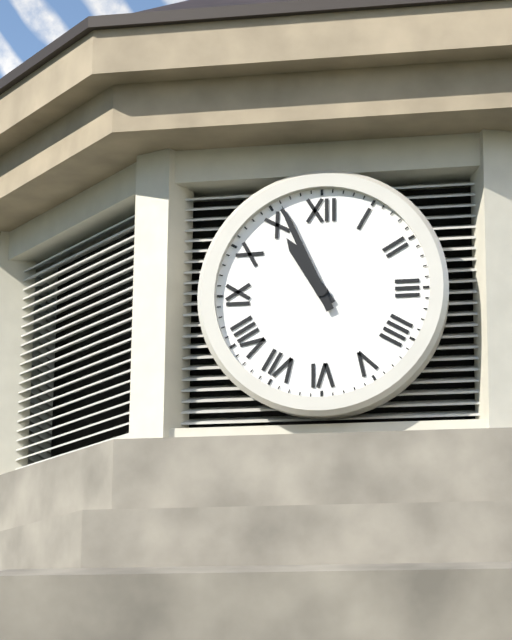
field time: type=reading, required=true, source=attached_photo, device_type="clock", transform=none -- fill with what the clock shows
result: 10:56
